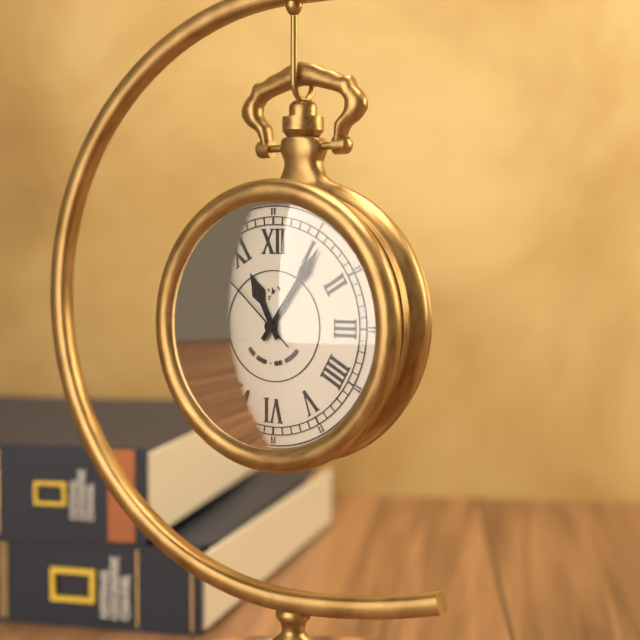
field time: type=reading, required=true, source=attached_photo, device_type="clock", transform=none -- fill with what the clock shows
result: 11:06:52
